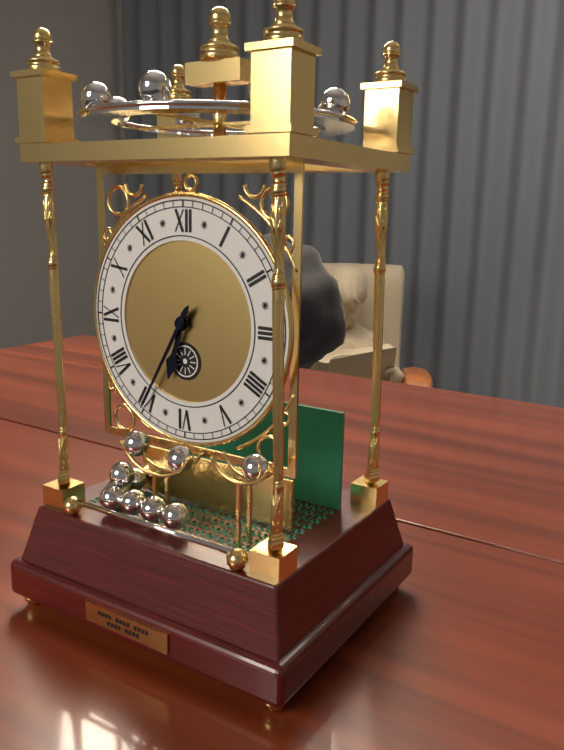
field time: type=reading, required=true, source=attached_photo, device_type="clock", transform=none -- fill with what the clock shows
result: 6:35
